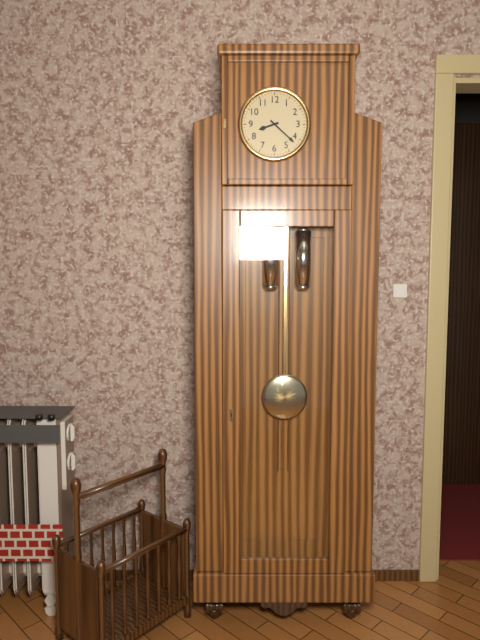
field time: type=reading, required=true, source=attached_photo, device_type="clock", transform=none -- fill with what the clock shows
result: 8:22
